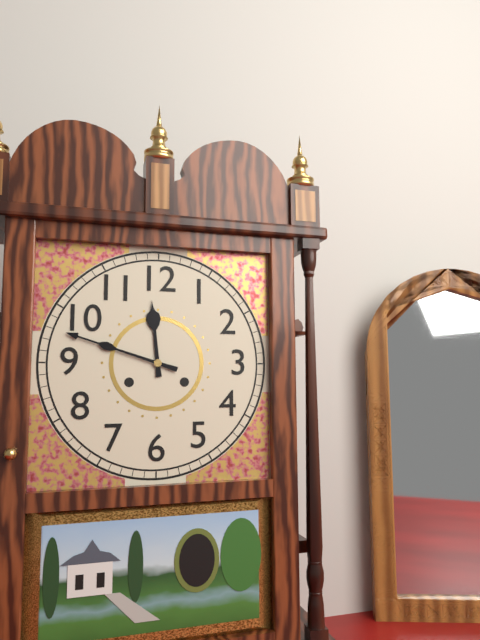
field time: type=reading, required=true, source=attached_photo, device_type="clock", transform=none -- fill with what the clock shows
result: 11:48
